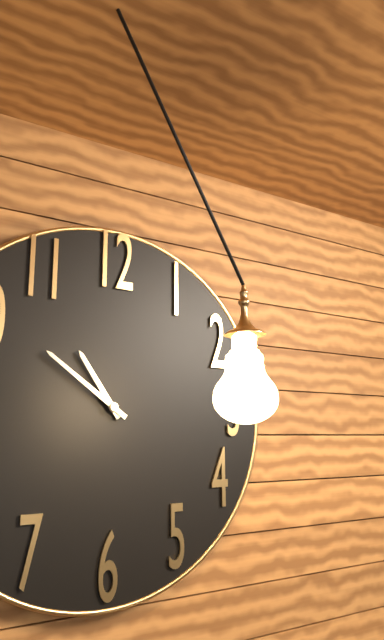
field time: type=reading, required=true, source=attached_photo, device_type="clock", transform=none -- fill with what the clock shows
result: 10:51
